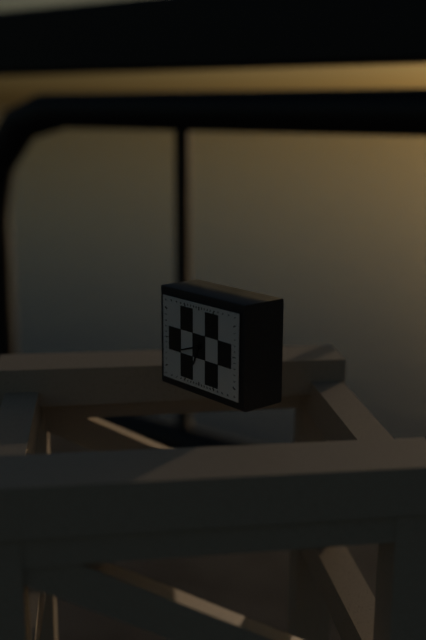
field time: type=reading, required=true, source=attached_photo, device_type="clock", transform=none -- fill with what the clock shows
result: 6:42
